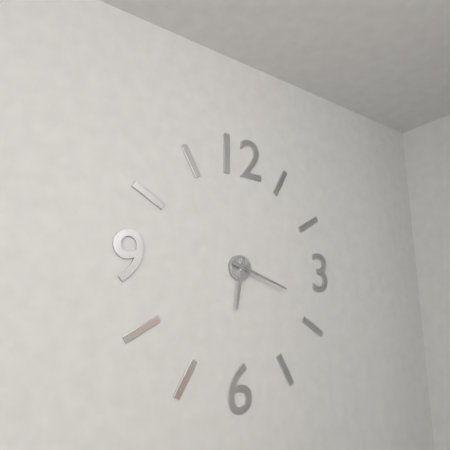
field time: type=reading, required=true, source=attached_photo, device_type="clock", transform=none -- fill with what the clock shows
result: 6:18
